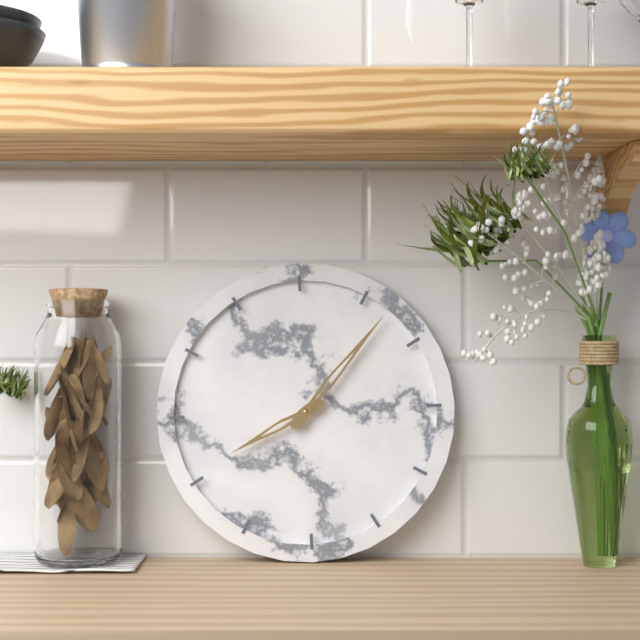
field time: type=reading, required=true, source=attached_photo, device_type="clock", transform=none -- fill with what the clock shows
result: 8:07
